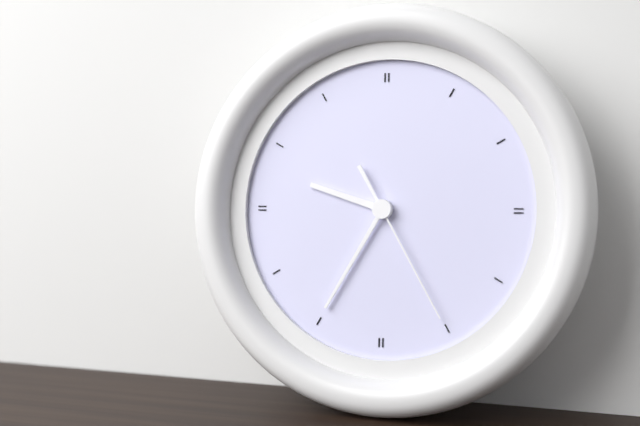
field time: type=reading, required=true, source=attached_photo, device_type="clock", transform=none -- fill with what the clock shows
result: 9:35:25
